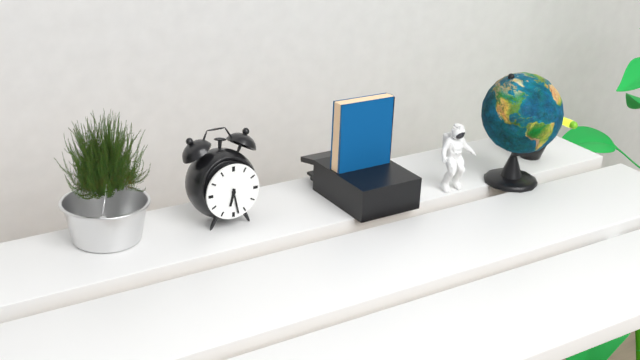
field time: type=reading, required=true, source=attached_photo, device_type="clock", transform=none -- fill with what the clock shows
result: 6:28
